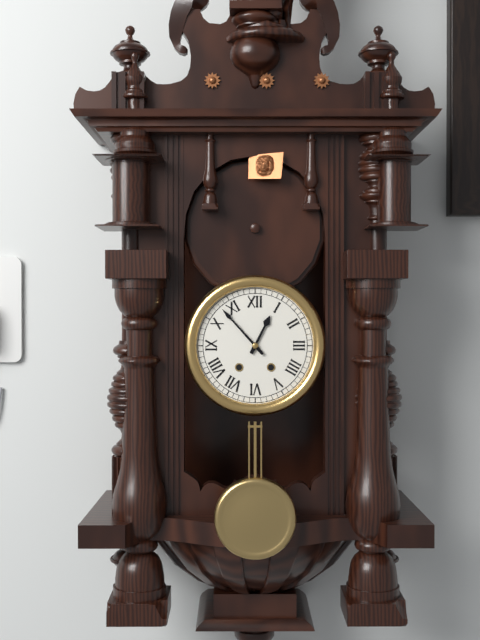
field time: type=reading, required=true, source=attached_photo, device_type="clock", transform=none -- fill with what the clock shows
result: 12:53
